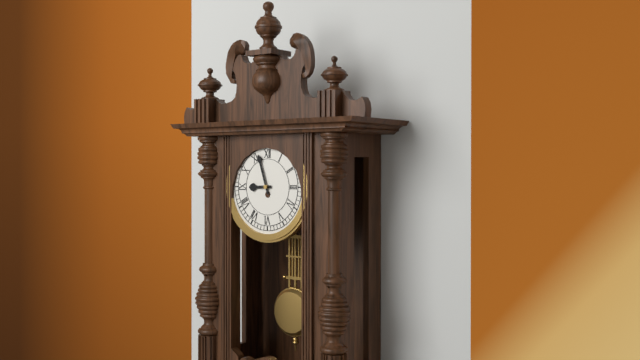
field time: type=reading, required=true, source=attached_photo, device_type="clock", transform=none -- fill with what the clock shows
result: 8:57
